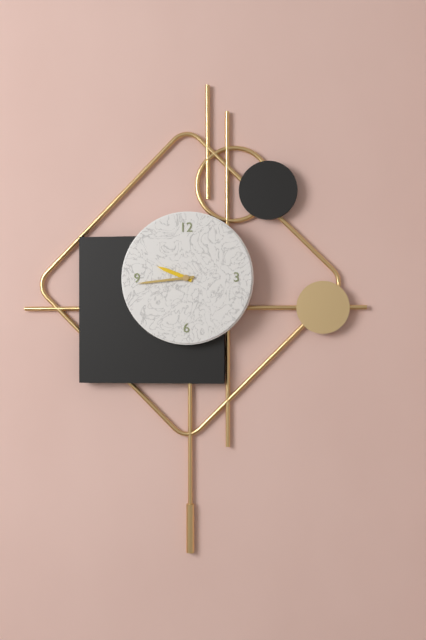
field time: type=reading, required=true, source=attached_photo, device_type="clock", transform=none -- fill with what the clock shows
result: 9:44
